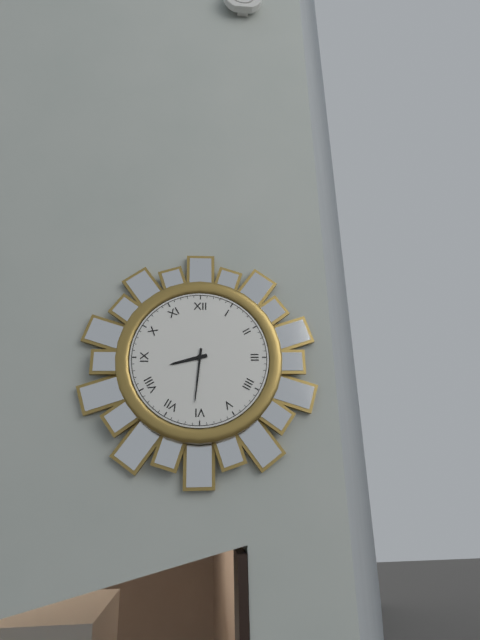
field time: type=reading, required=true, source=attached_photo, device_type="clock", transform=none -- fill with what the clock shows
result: 8:31
